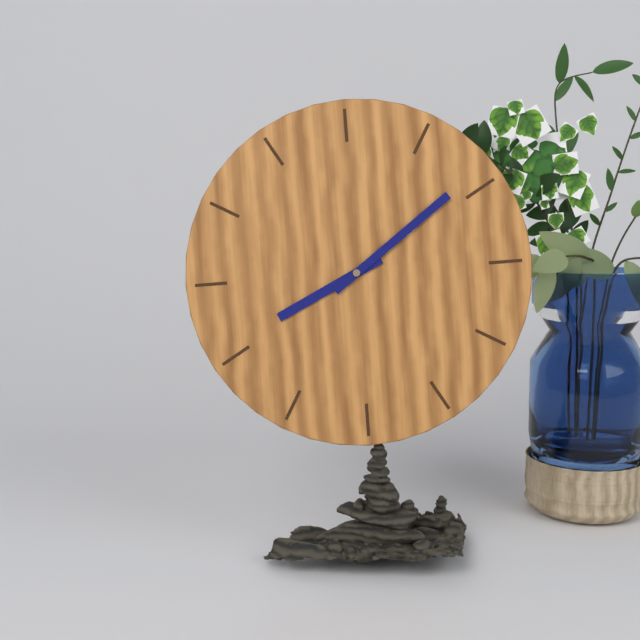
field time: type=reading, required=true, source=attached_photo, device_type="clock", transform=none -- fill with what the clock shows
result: 8:09
